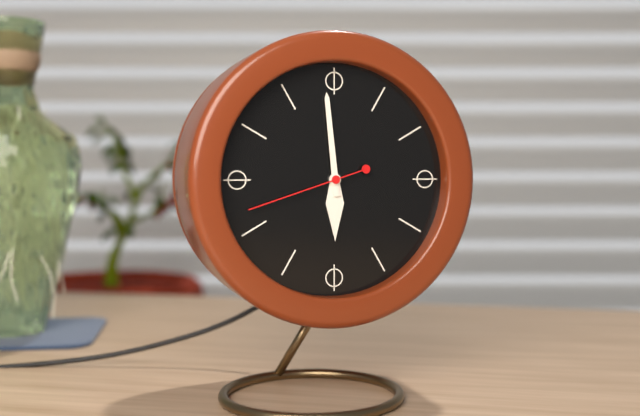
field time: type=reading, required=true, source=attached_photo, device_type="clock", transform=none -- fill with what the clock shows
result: 5:59:42
